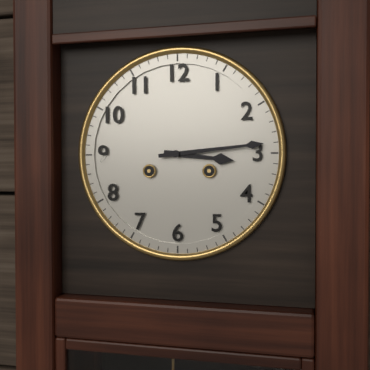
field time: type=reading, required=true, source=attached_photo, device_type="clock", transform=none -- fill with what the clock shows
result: 3:14
